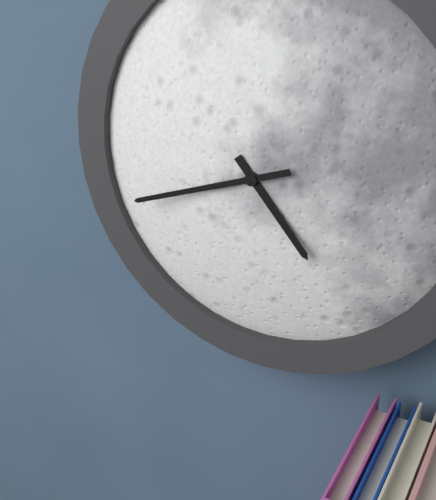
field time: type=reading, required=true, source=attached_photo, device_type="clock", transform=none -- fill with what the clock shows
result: 4:42
